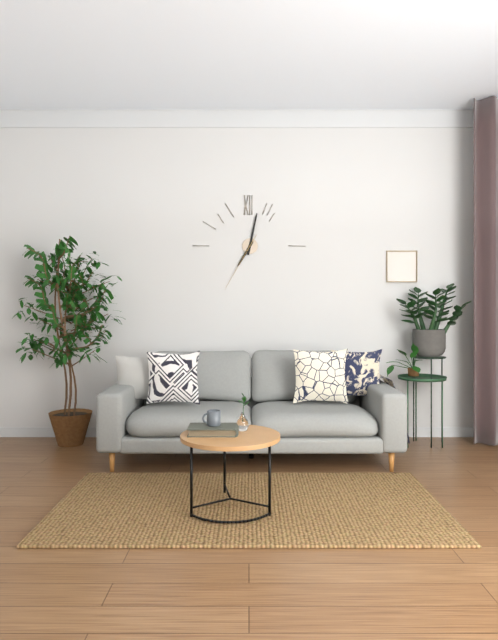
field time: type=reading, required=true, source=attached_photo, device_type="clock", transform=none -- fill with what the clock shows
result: 7:02:35
